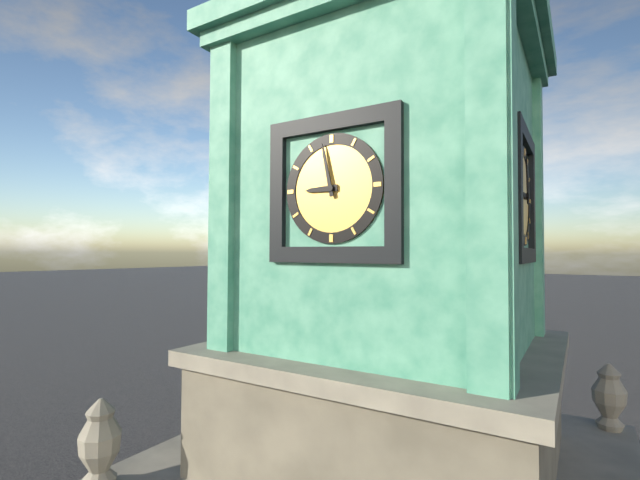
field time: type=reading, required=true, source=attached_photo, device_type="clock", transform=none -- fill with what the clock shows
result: 8:58
